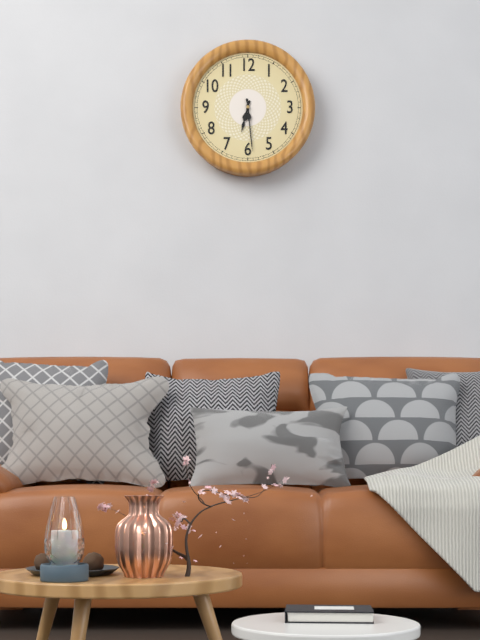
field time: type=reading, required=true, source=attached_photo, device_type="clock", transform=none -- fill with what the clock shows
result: 6:29
